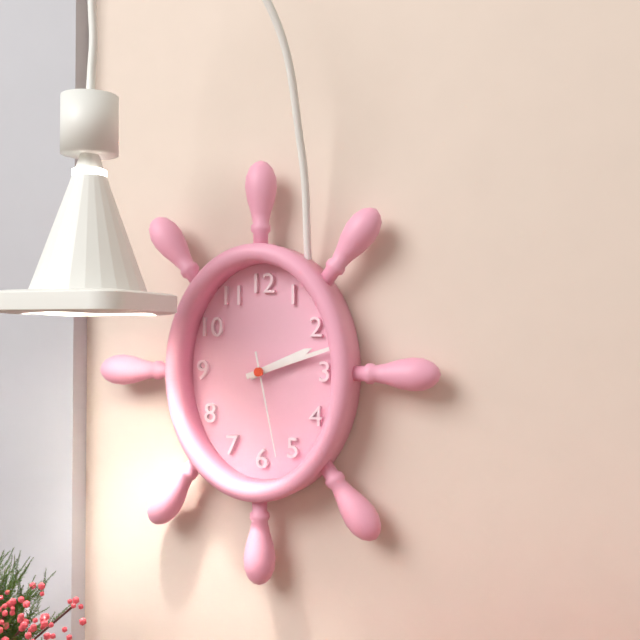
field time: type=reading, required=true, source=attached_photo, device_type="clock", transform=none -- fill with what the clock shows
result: 2:12:28
